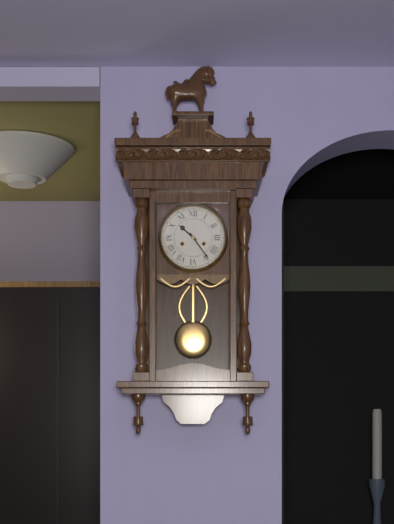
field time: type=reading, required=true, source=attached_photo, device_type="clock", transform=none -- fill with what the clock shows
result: 10:24
